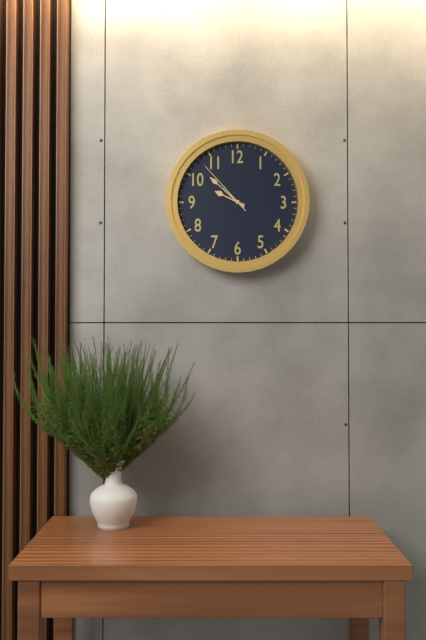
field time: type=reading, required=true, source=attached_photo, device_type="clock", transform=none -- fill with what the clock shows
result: 9:52:53
